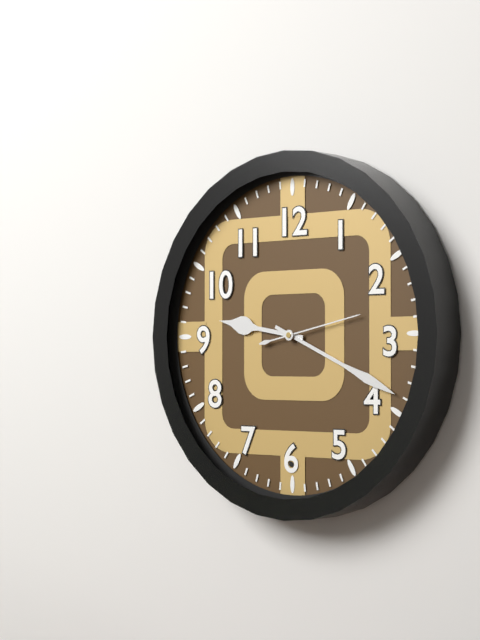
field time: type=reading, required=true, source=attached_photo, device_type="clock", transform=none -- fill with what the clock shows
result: 9:19:13
